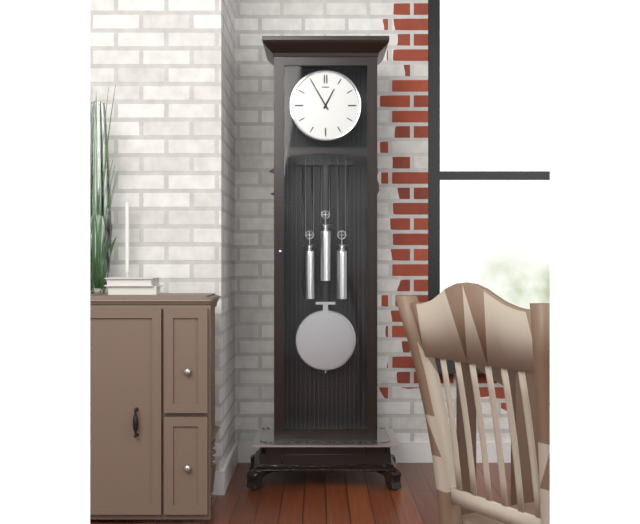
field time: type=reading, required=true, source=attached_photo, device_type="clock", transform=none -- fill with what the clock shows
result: 12:55
